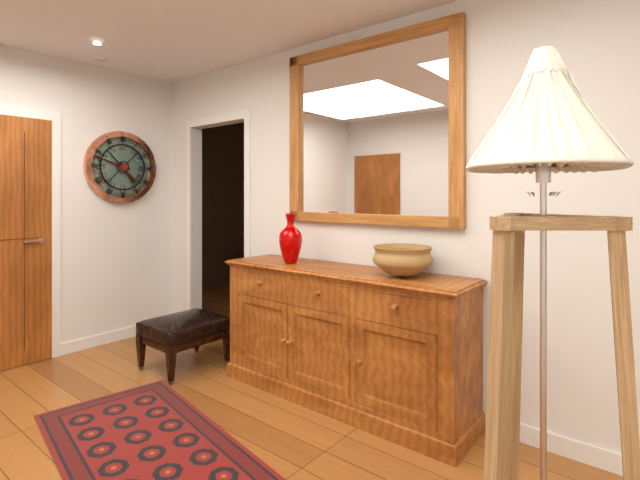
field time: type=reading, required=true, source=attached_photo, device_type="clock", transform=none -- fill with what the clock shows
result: 4:48
